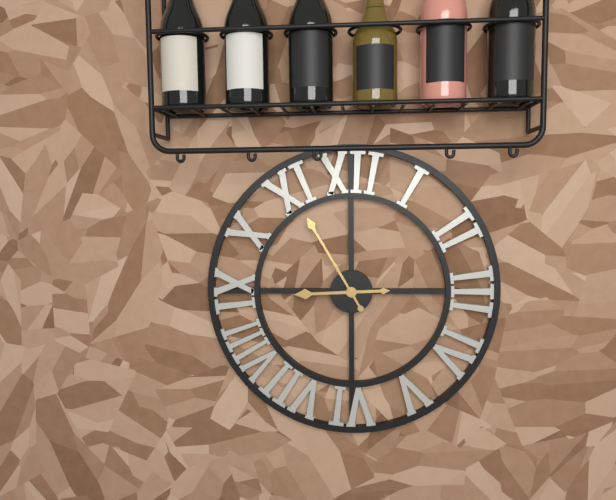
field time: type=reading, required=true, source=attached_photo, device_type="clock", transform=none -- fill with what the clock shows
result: 8:55
